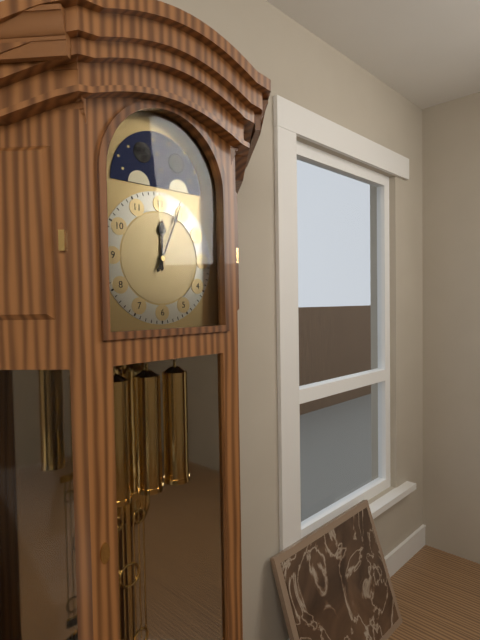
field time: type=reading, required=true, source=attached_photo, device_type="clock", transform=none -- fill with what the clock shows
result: 12:04
